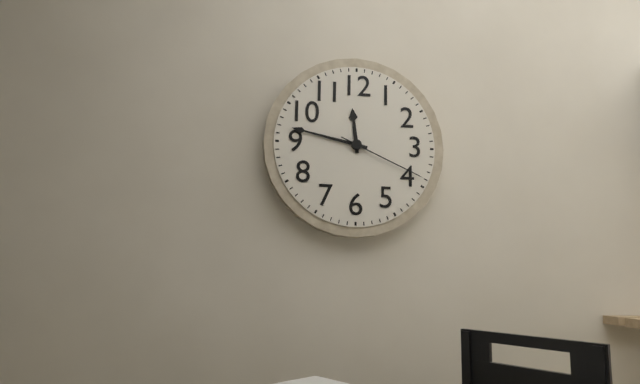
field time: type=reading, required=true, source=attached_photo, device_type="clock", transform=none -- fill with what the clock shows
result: 11:47:19
